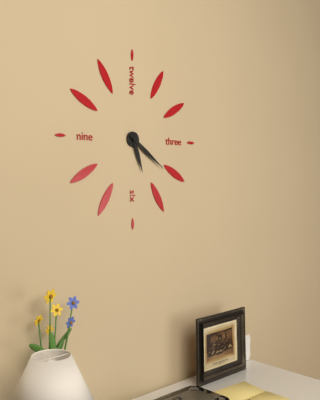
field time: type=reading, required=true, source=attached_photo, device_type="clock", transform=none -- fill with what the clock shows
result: 5:21
